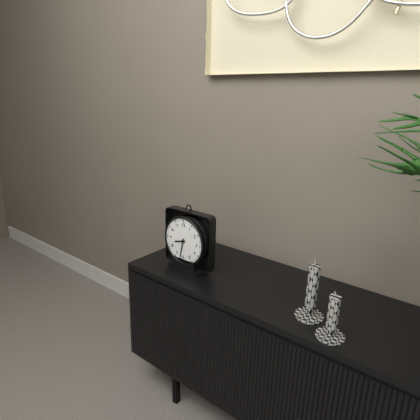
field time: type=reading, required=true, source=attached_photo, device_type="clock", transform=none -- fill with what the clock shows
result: 8:32
